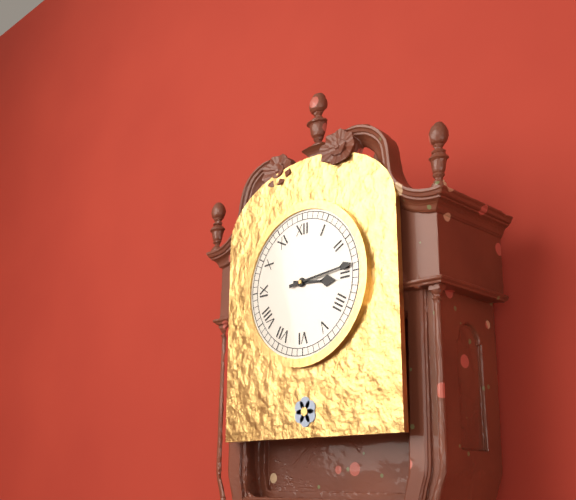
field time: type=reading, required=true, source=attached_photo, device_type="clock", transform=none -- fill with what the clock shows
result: 3:14
